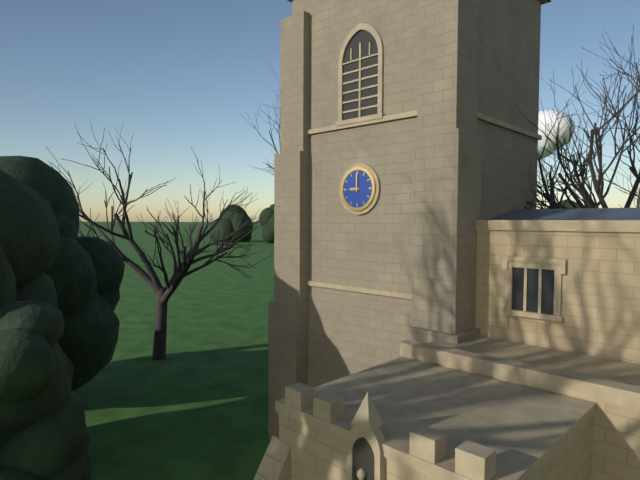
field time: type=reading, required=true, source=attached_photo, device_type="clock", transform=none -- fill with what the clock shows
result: 9:00
